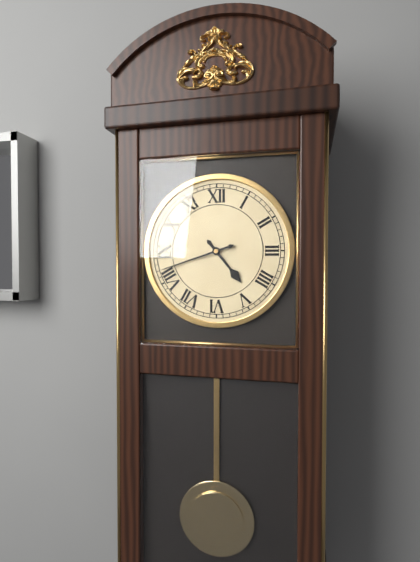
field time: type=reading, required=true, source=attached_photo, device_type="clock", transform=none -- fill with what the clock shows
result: 4:42
